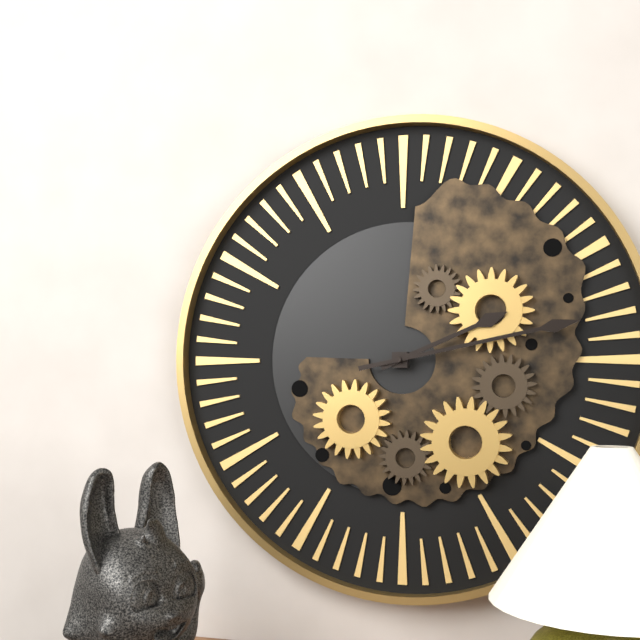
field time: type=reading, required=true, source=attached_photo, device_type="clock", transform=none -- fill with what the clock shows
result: 2:13
